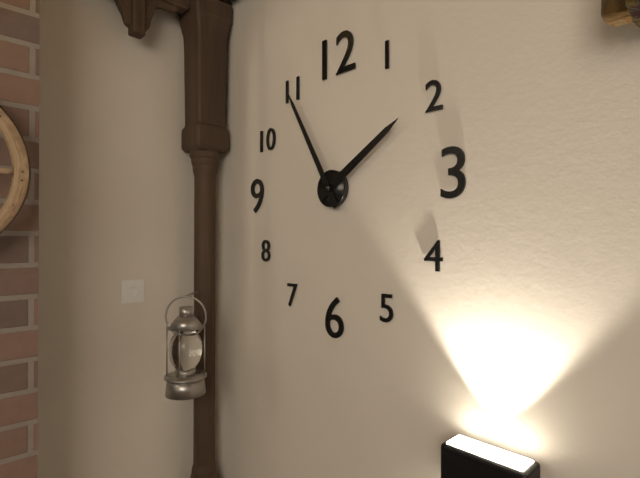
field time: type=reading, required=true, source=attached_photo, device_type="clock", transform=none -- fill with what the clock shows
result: 1:55
